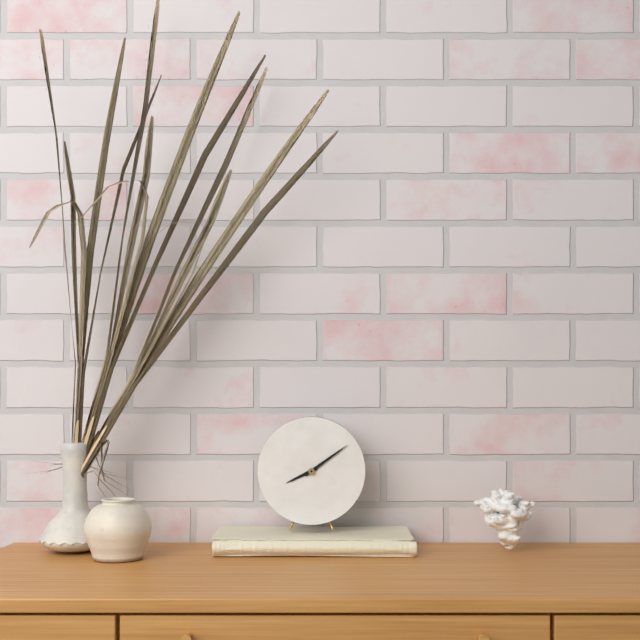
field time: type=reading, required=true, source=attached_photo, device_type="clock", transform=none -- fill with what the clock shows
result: 8:09
